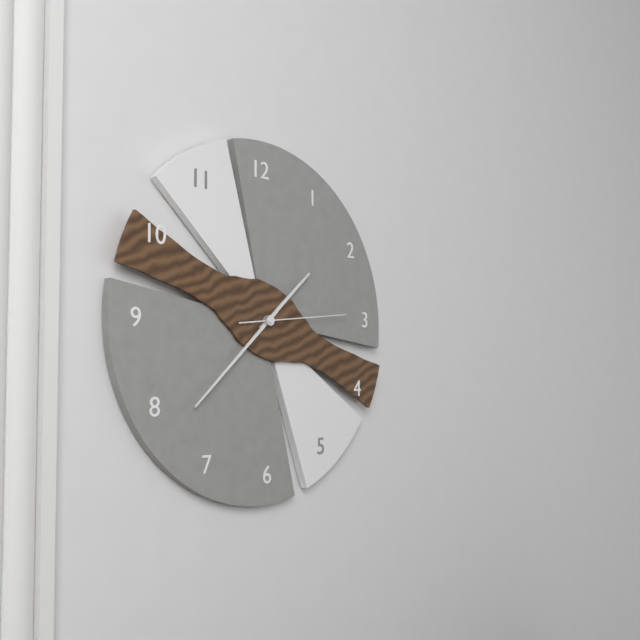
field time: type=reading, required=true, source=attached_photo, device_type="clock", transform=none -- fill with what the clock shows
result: 1:38:14
